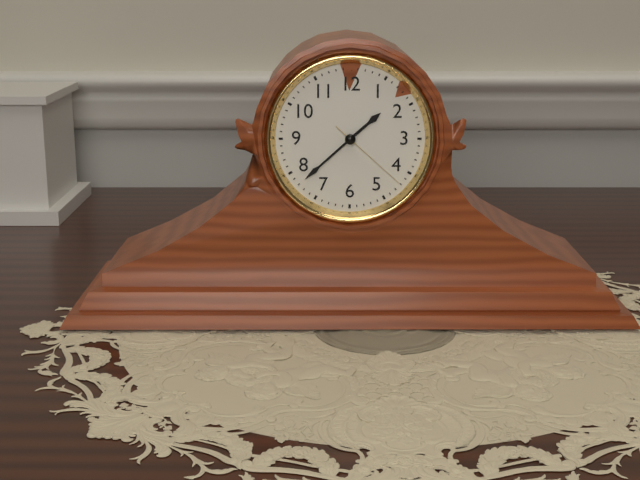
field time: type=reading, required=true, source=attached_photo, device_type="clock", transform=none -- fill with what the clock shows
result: 1:38:22
